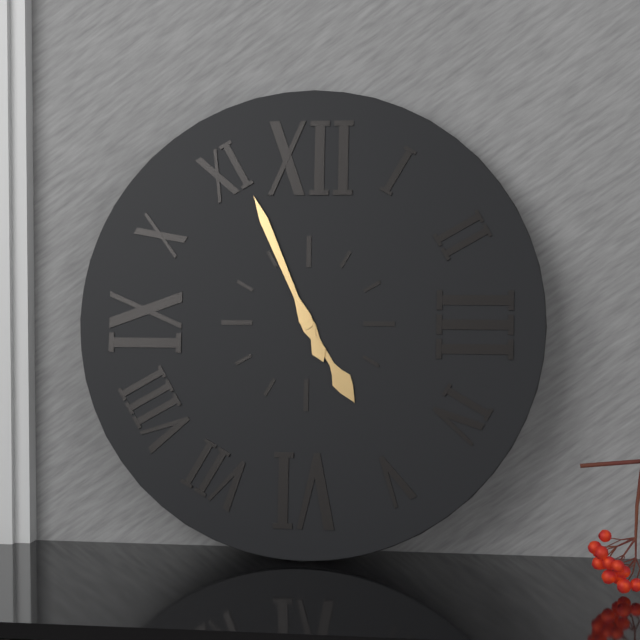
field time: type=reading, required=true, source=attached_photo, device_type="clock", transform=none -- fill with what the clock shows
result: 4:56
